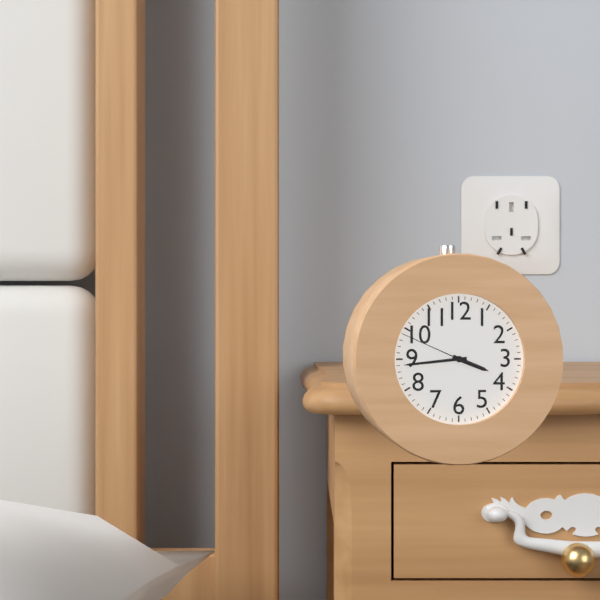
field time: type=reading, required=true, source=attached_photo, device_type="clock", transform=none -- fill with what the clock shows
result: 3:44:49
